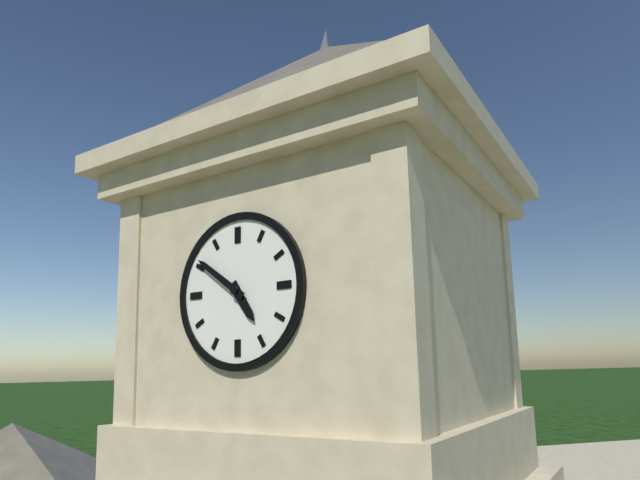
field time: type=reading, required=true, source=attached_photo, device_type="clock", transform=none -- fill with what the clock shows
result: 4:51
